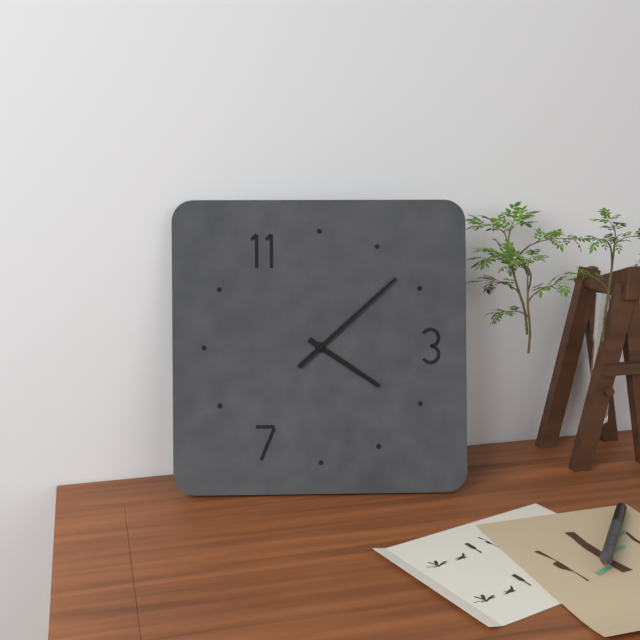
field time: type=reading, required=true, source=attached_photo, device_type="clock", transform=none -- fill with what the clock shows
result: 4:08
